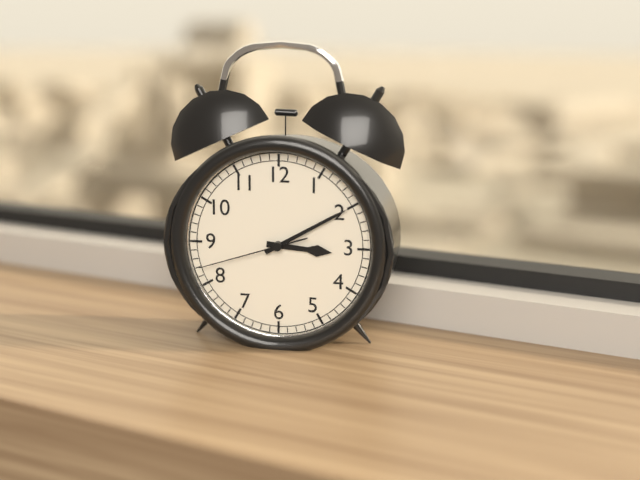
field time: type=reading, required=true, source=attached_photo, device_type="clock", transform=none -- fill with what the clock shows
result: 3:10:42
